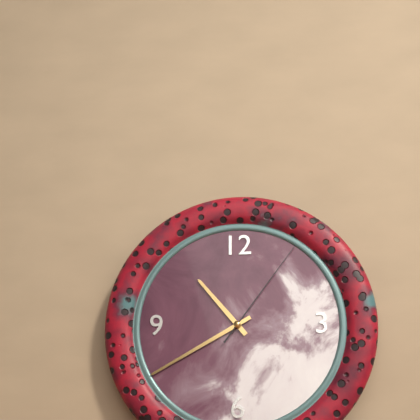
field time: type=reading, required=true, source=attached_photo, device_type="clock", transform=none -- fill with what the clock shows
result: 10:40:06
